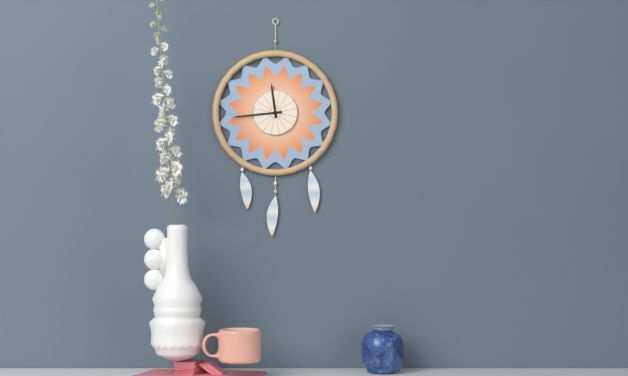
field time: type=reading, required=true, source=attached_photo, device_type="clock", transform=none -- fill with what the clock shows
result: 11:44
